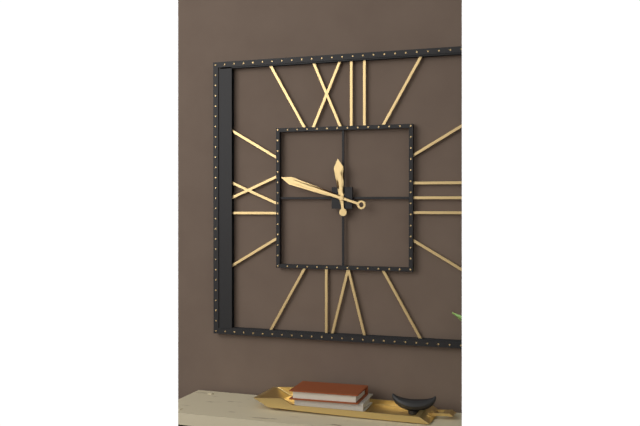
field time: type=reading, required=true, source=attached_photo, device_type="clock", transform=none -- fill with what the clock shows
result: 11:48
